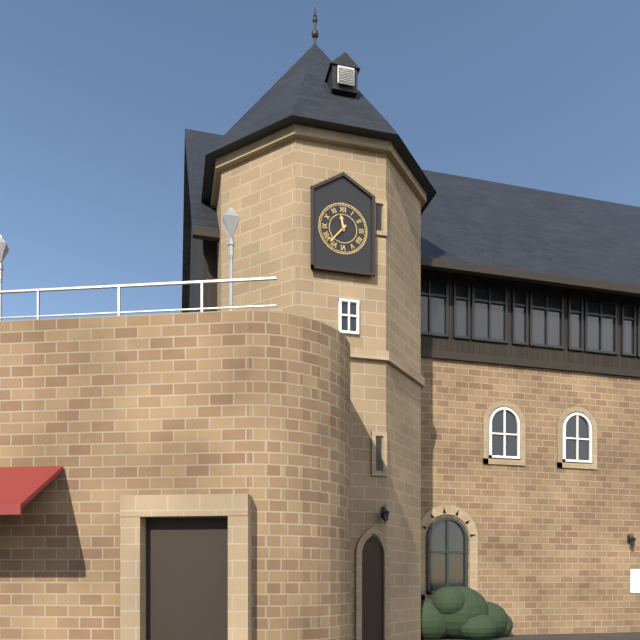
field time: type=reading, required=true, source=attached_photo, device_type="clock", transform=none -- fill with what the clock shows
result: 11:37
